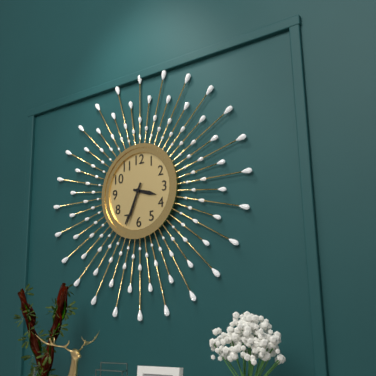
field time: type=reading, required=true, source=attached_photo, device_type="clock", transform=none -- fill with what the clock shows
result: 3:34
